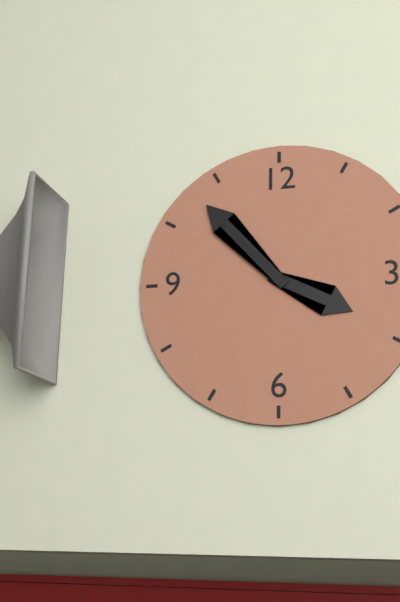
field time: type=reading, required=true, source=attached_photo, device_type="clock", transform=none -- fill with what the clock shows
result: 3:53
